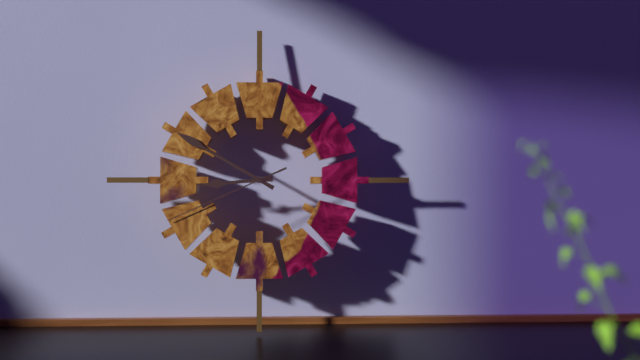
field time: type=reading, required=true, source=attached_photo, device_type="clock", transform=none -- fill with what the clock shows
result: 8:50:41
